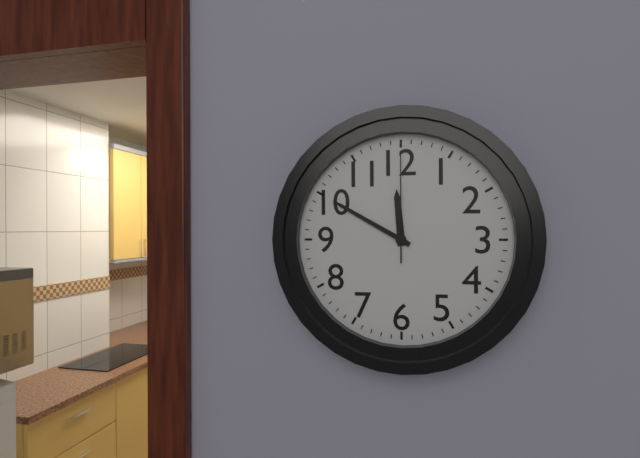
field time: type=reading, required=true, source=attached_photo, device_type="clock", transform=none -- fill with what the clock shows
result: 11:50:00
